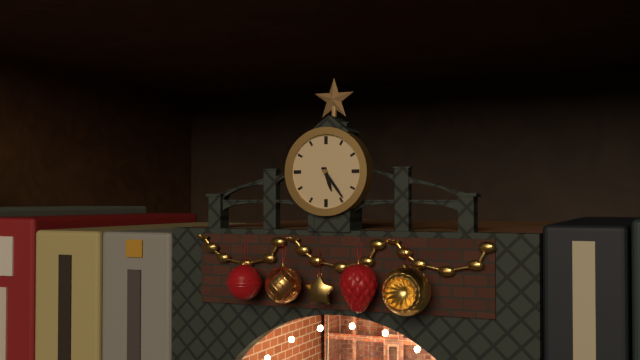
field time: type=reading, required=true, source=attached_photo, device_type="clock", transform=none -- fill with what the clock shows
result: 5:24
